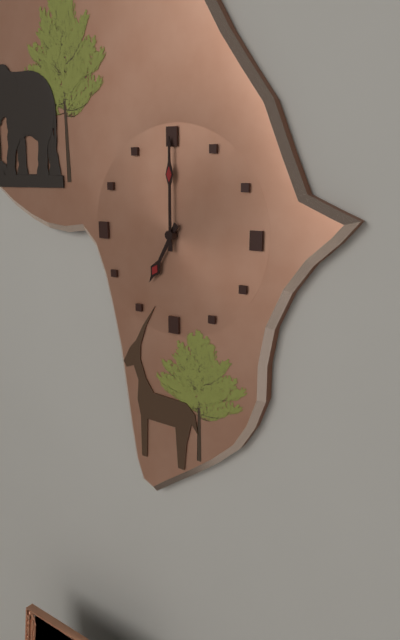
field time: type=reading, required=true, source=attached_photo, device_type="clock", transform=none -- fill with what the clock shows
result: 7:00
